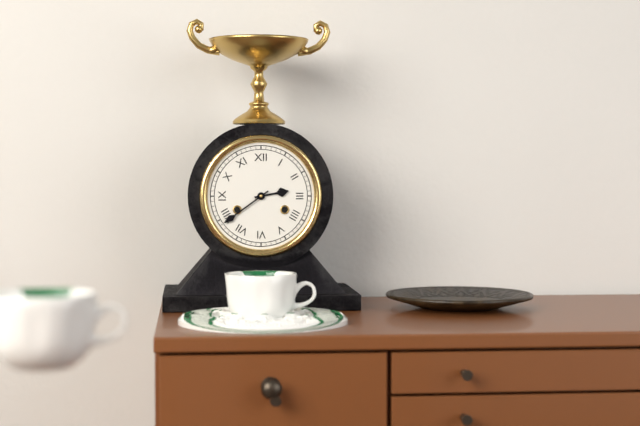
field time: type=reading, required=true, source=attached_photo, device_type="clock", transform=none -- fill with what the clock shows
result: 2:39
